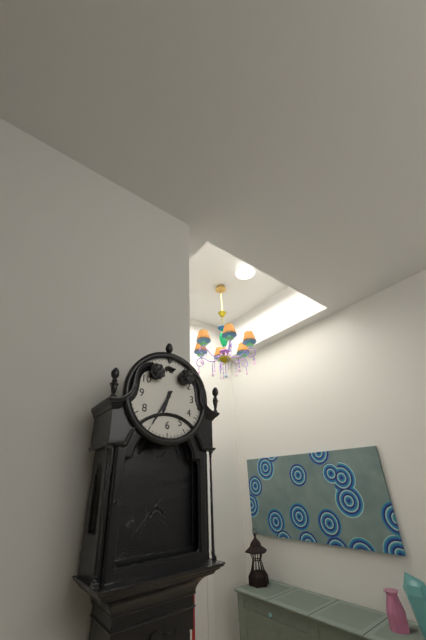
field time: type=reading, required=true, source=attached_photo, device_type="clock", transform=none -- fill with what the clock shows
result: 6:35
